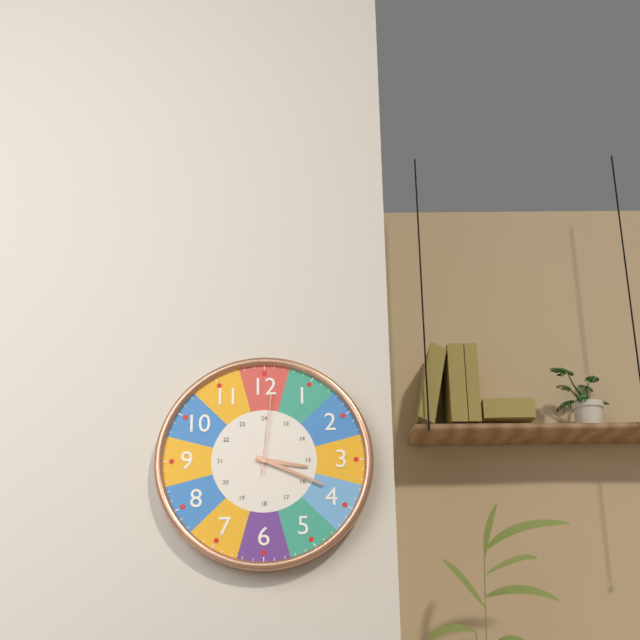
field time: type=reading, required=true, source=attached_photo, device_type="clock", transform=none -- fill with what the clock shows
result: 3:19:01
